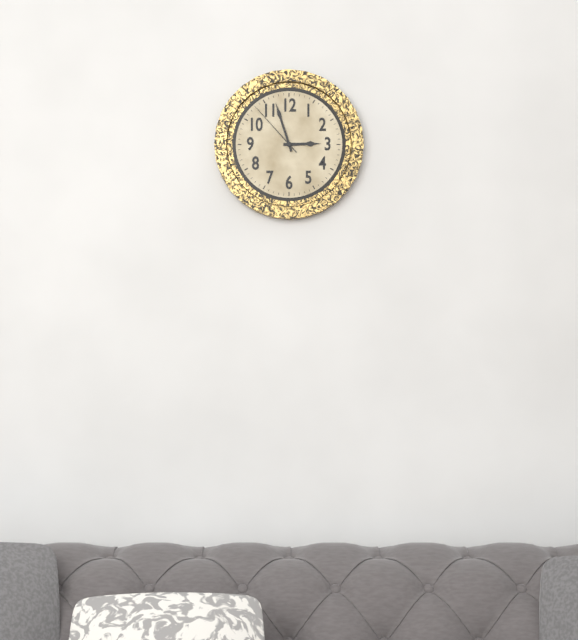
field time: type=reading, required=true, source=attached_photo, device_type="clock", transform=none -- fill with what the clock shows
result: 2:57:53
